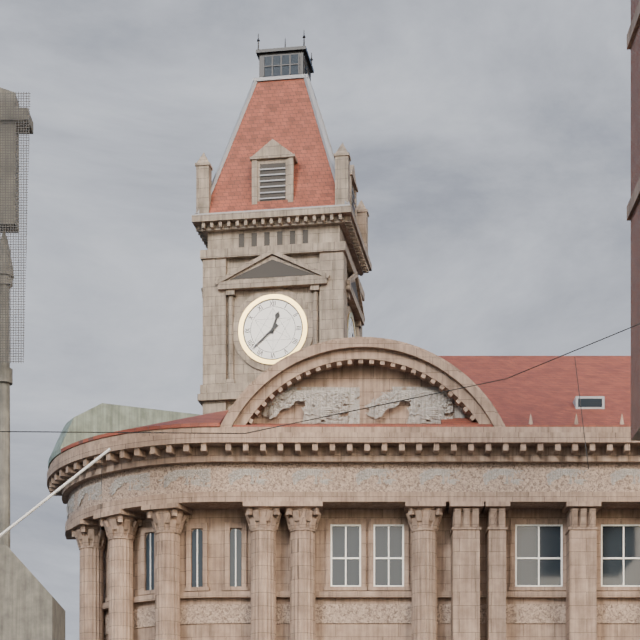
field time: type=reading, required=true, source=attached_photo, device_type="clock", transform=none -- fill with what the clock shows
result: 12:38
